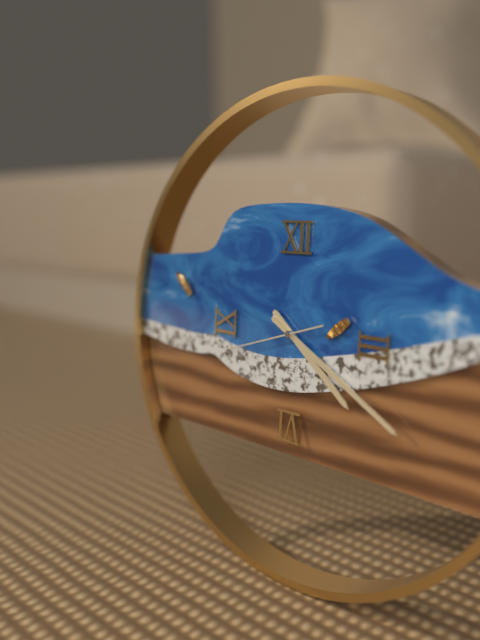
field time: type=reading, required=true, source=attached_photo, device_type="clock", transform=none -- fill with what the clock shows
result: 4:20:42
